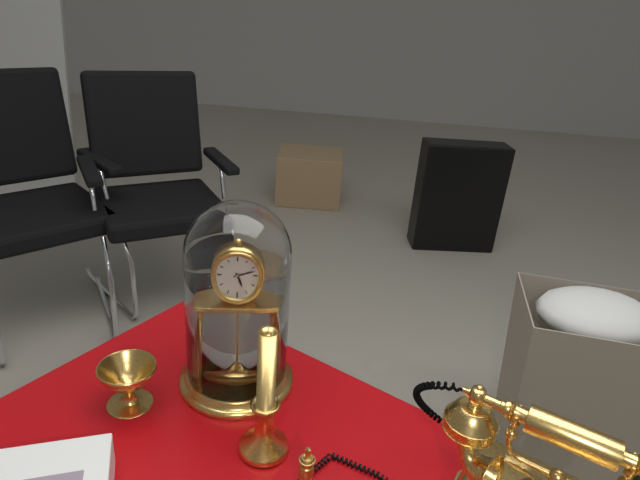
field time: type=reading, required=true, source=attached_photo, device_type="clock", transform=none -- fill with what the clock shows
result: 5:12
